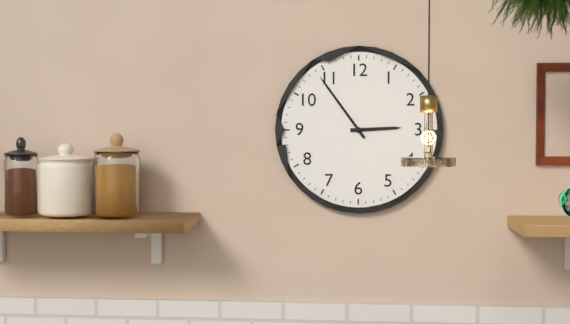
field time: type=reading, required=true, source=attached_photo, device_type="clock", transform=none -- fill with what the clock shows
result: 2:54
